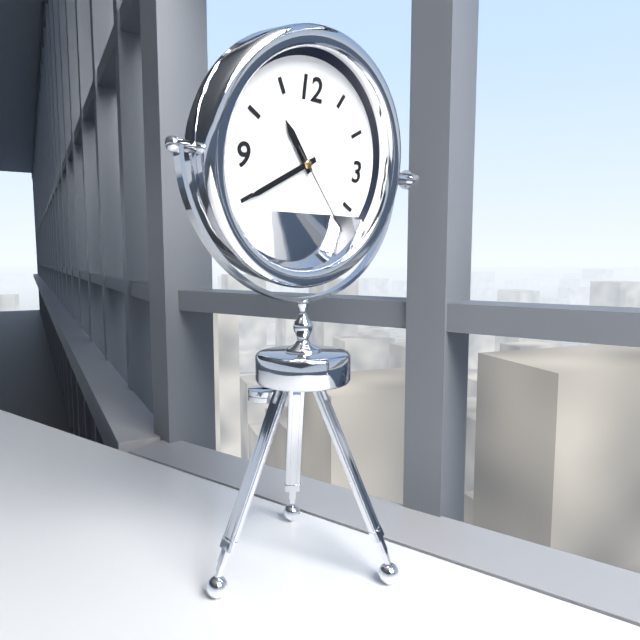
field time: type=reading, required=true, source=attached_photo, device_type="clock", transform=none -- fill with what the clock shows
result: 10:40:23
